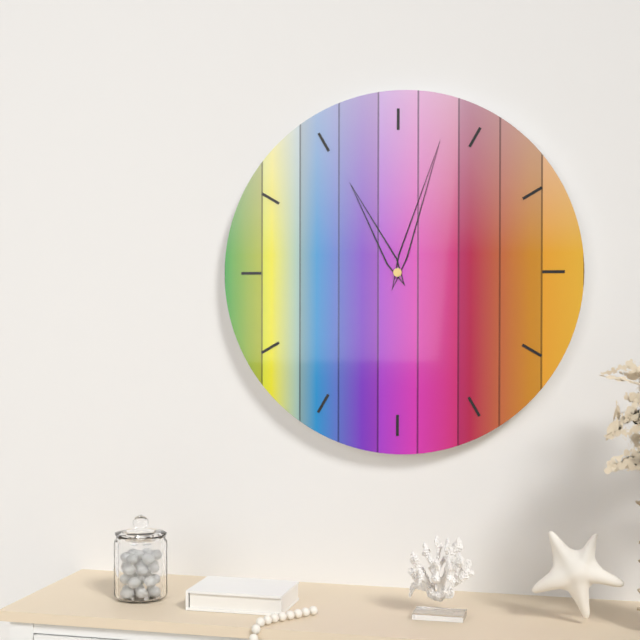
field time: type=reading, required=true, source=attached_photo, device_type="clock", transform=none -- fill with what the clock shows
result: 11:03
